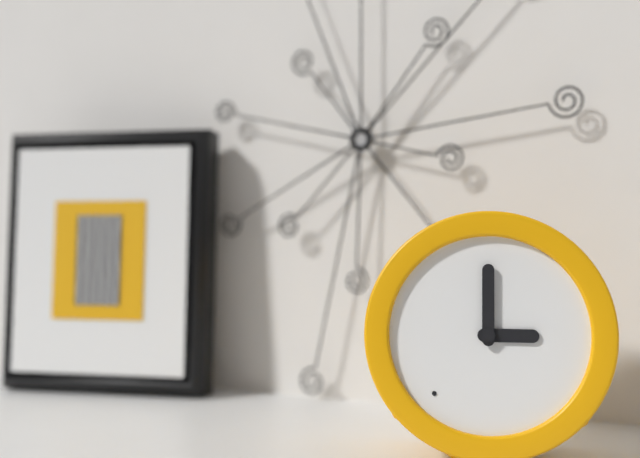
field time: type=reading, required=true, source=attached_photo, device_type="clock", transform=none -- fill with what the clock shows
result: 3:00
